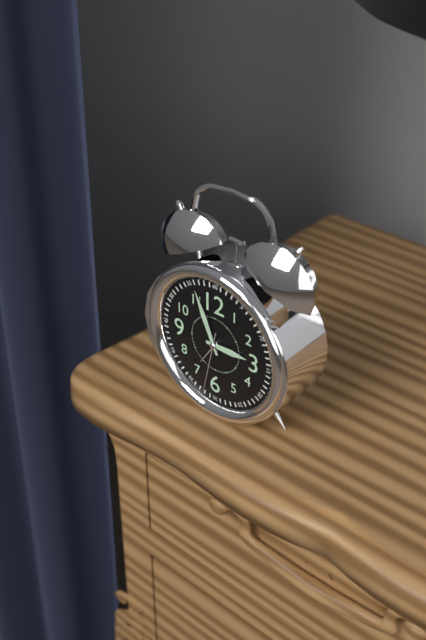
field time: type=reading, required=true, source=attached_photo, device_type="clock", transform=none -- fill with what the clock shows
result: 2:56:32
